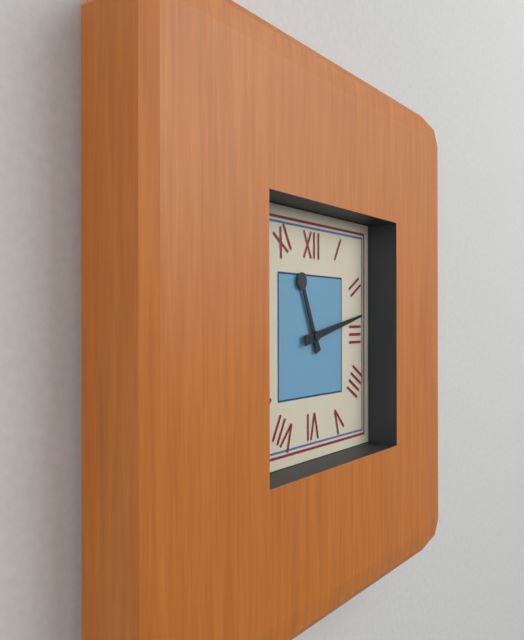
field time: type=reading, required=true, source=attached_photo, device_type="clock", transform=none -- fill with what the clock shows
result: 11:13
